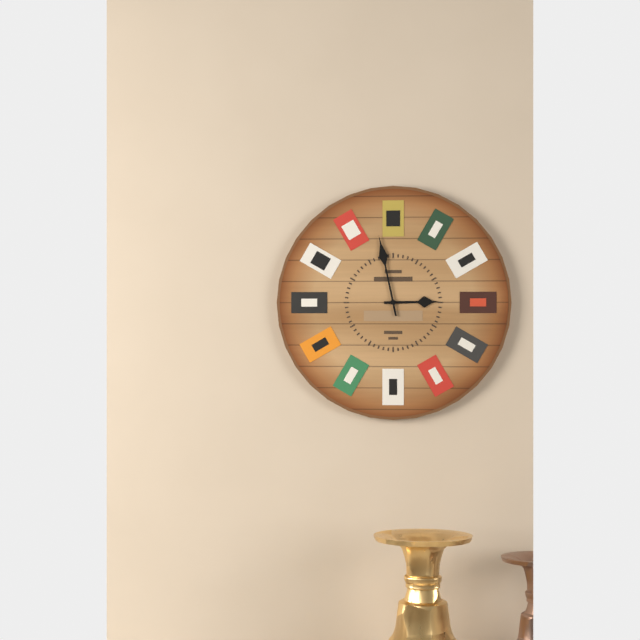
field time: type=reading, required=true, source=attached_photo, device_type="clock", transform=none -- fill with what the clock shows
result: 2:58
